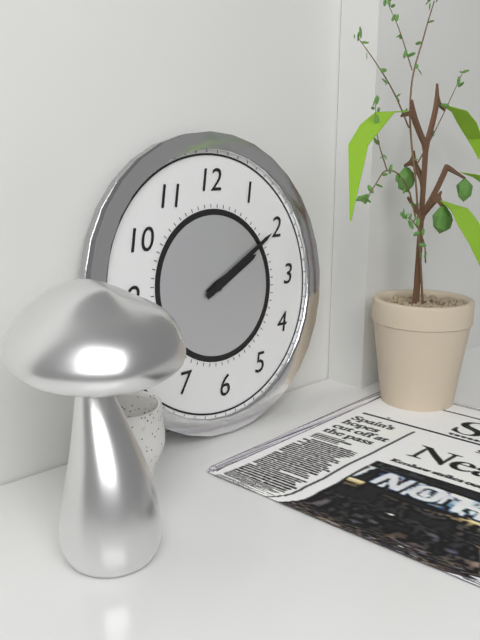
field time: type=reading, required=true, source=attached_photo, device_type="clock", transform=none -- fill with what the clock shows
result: 2:10
